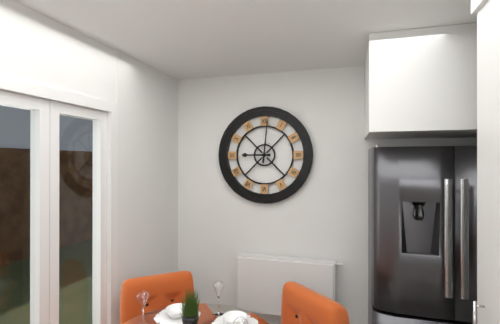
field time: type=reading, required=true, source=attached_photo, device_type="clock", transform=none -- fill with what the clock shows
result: 9:01
